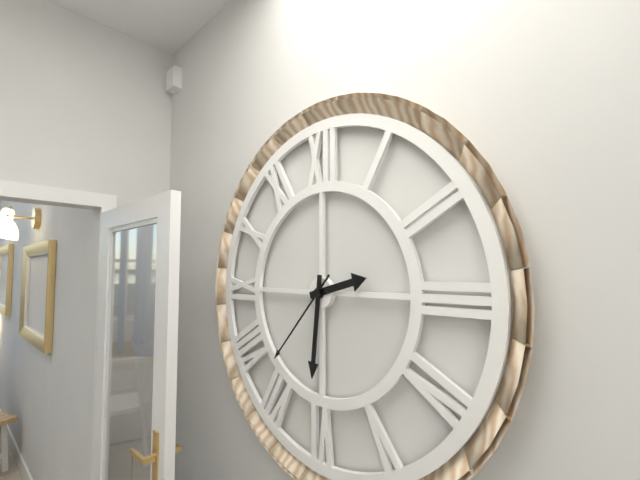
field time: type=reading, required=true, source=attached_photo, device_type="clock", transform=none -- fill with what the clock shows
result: 2:31:37
